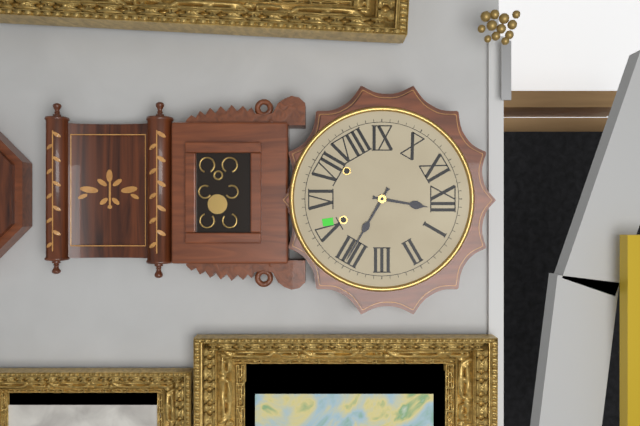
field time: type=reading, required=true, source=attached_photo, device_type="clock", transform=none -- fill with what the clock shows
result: 12:20
